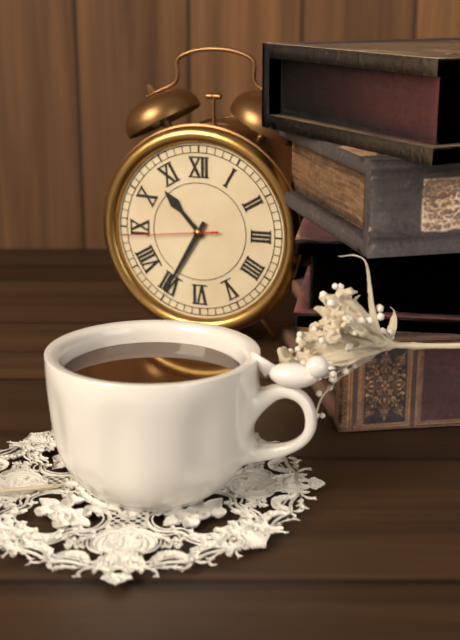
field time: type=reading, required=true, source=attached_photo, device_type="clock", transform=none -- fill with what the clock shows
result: 10:35:44
